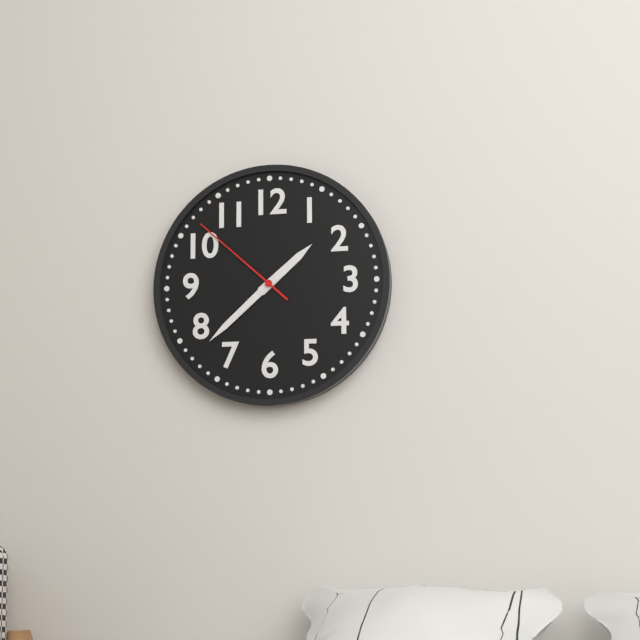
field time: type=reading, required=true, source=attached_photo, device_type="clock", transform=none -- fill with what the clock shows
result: 1:38:52
